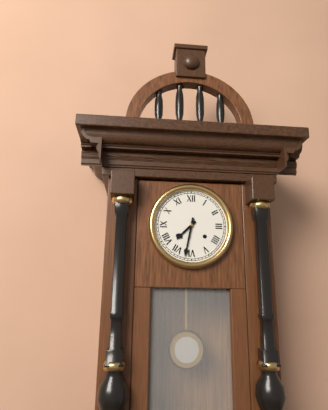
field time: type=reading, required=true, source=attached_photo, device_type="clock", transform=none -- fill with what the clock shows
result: 7:32
